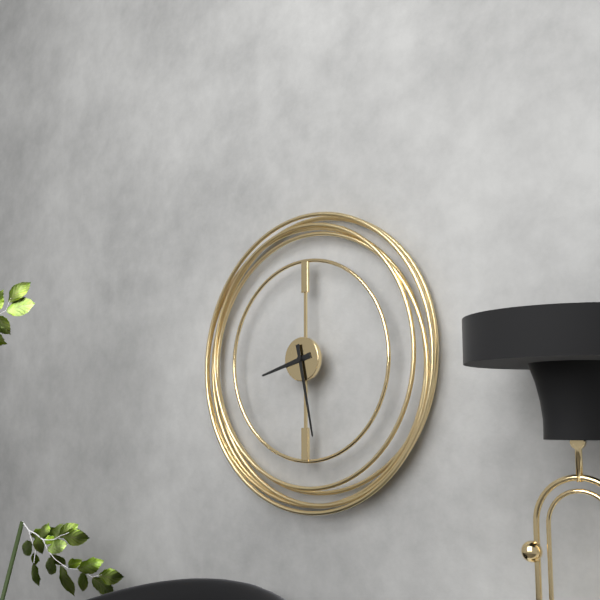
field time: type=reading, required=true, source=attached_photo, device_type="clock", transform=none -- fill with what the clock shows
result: 8:28
